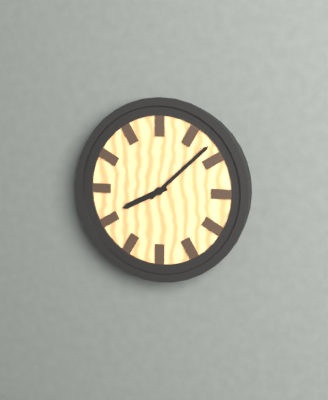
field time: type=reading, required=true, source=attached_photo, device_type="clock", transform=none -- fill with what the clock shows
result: 8:08
